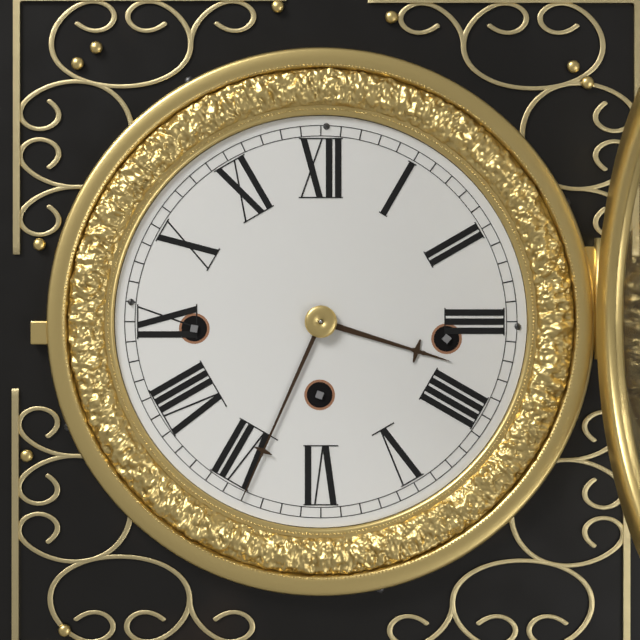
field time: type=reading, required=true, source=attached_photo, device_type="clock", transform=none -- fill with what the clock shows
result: 3:34
